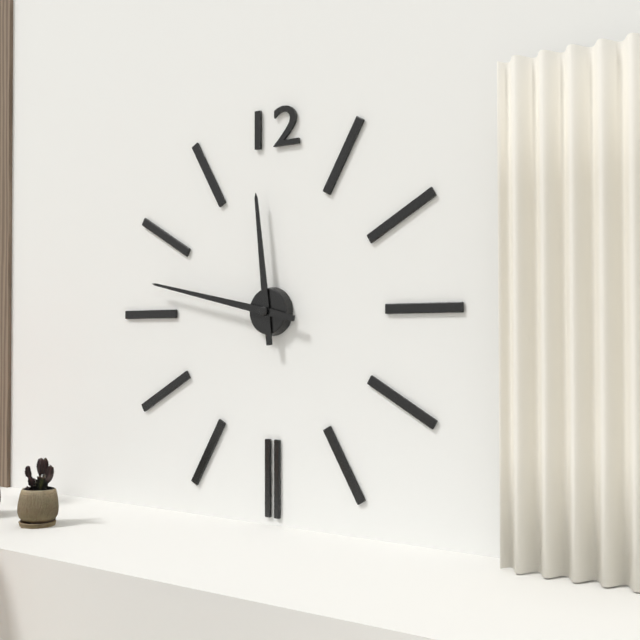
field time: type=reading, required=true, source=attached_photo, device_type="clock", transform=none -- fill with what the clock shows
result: 11:47
